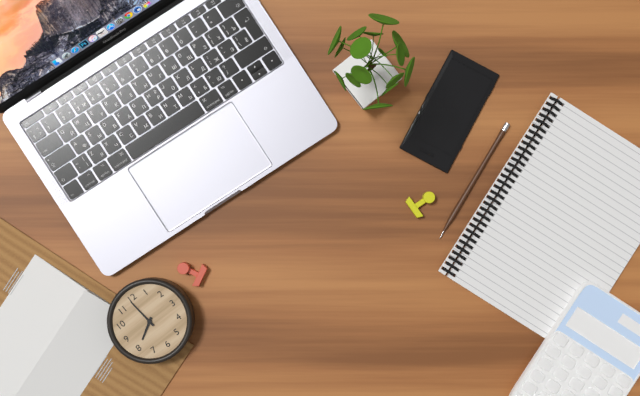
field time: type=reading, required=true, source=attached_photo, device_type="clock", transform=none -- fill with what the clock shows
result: 7:59
